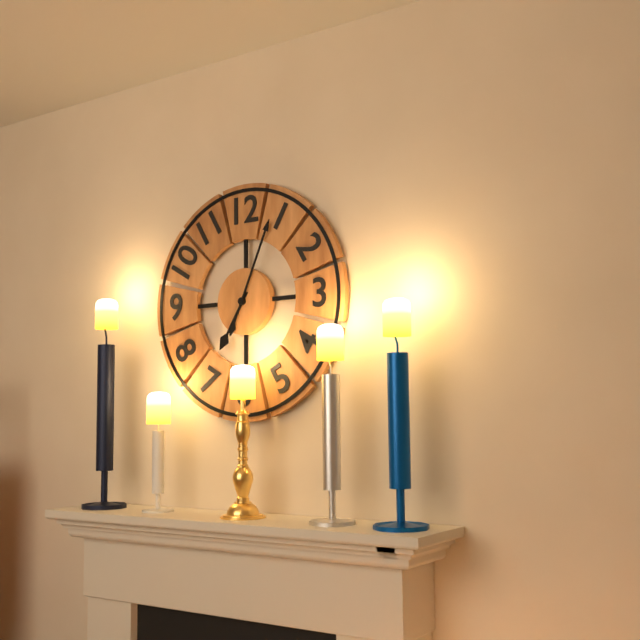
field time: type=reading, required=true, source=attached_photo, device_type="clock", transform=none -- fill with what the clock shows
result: 7:04
